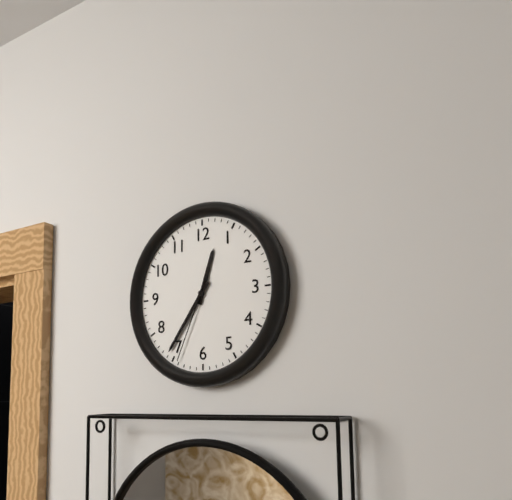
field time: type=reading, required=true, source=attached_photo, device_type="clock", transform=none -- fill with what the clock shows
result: 12:36:34
